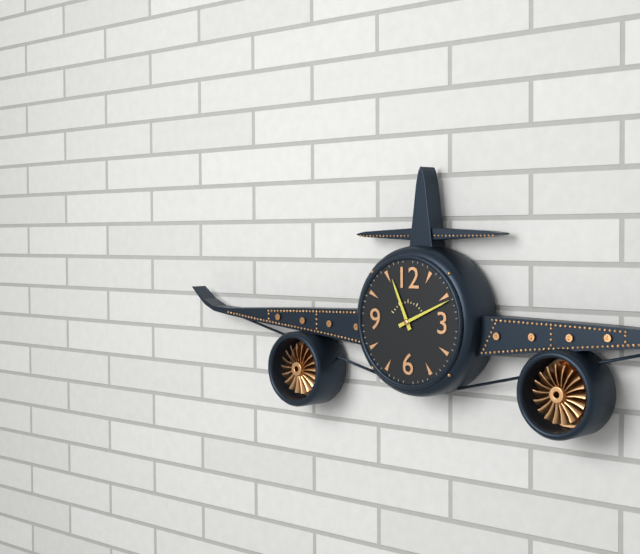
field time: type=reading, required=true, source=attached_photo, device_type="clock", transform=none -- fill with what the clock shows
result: 11:11
